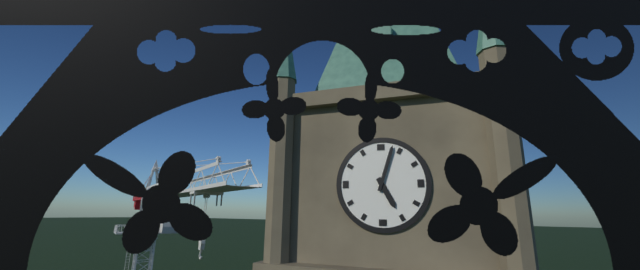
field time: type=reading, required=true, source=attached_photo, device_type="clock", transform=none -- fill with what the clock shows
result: 5:03
